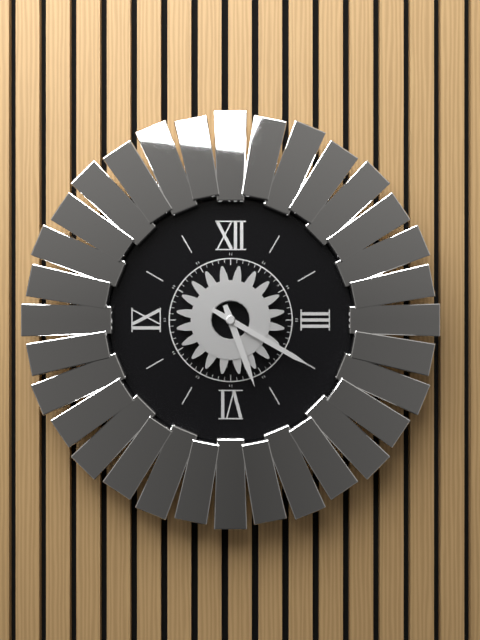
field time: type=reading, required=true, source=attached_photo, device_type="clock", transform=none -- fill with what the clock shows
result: 5:20
